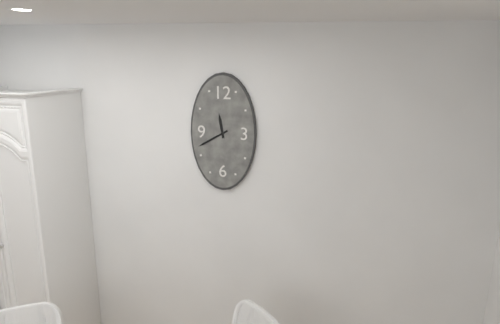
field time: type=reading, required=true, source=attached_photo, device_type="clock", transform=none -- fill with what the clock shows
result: 11:40
